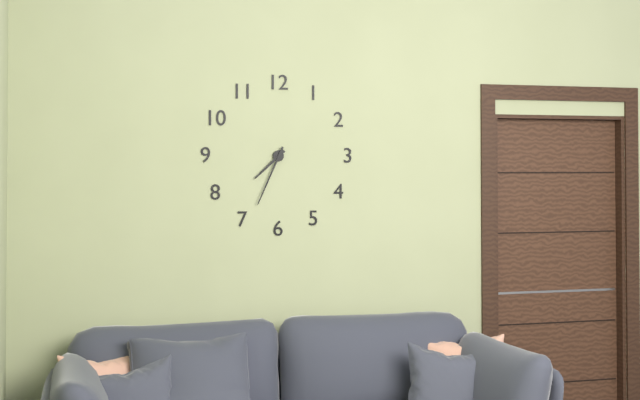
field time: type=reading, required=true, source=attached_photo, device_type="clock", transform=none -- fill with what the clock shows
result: 7:34
